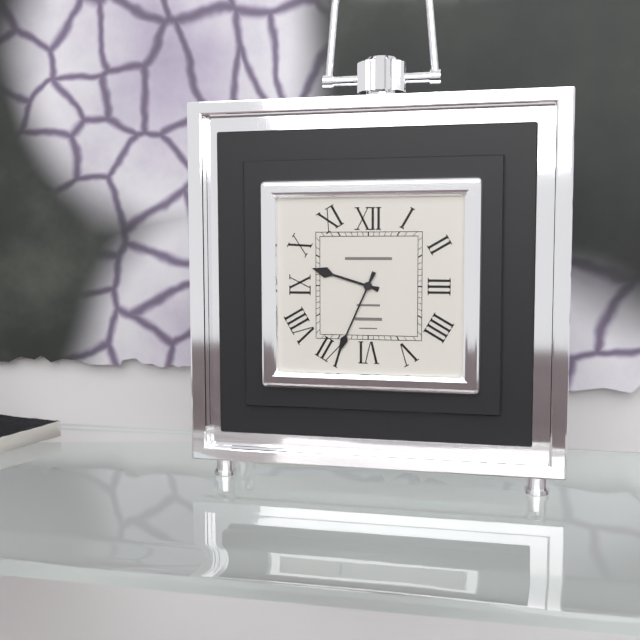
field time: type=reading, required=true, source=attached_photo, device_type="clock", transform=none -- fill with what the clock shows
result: 9:34
